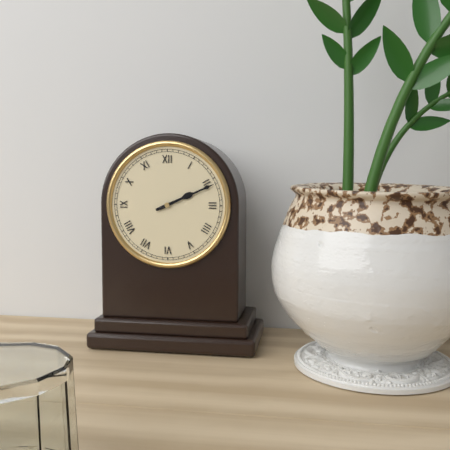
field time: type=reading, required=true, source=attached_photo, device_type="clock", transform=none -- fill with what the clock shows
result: 2:11
